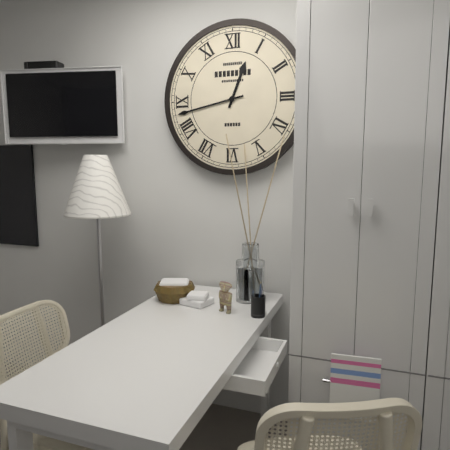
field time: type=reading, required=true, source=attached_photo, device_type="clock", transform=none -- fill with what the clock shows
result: 12:43
